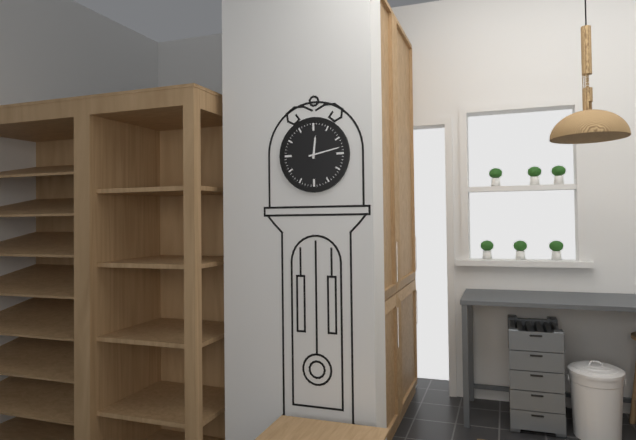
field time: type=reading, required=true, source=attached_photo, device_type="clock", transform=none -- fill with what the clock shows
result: 12:13
